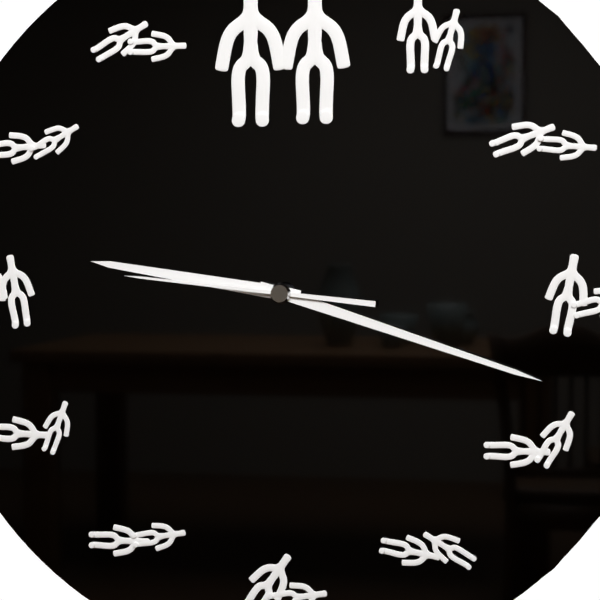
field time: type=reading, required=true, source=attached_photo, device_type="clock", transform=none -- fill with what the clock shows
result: 9:18:46
